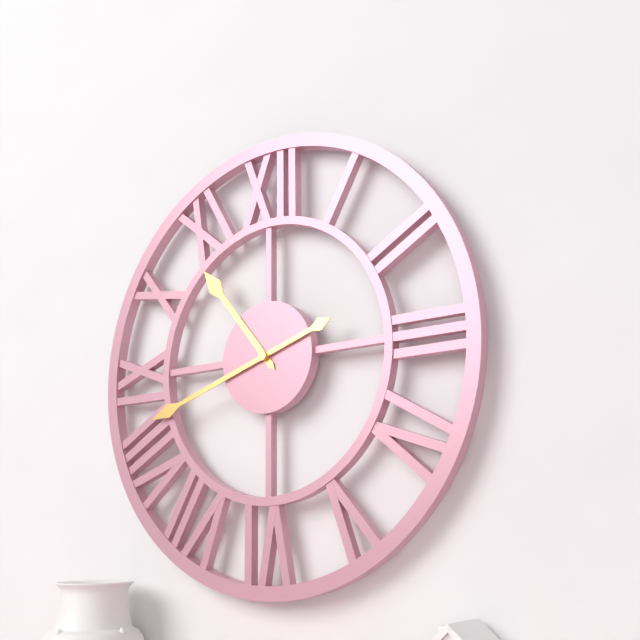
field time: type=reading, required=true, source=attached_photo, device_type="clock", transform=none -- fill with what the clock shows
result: 10:42
